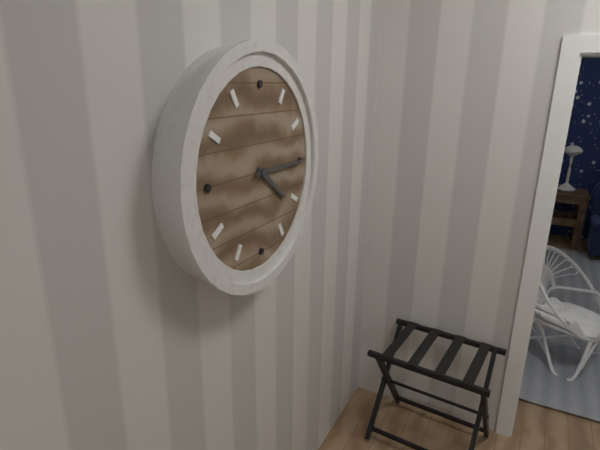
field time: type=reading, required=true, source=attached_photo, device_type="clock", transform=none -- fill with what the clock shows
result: 4:15
